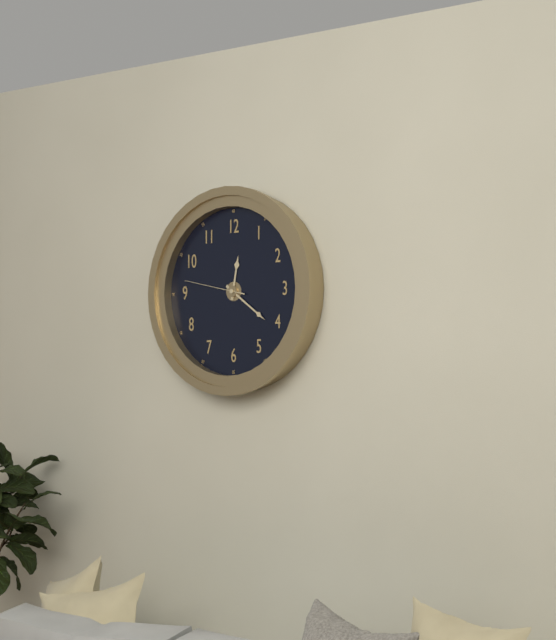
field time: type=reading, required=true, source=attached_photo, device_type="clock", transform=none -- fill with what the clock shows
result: 12:21:47
